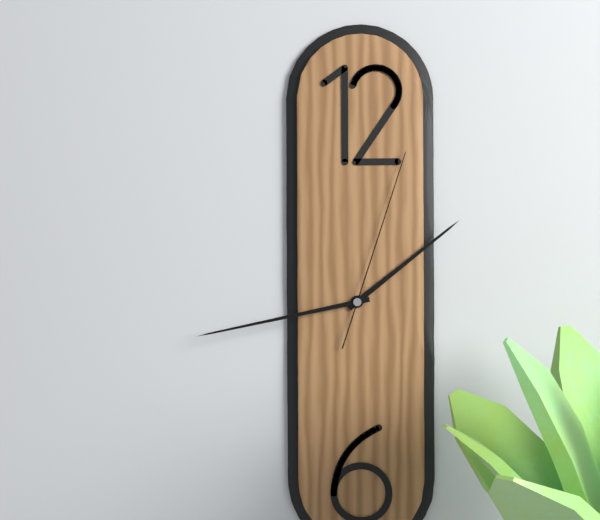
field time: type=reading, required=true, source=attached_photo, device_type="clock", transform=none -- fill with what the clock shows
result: 1:43:03
